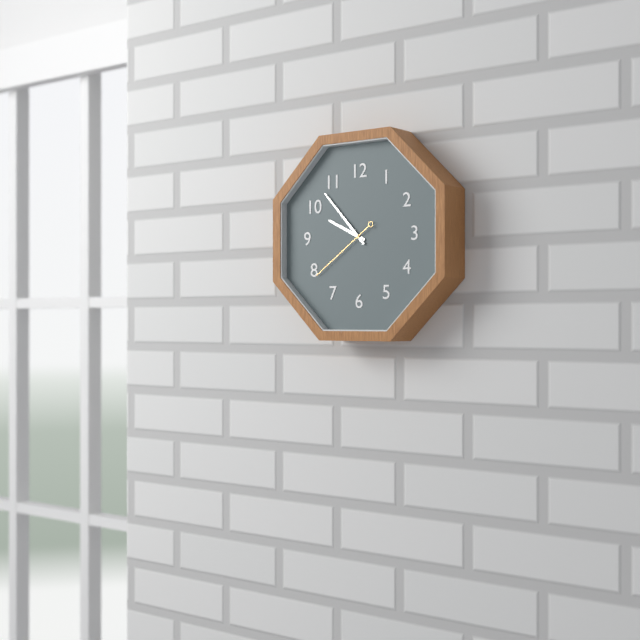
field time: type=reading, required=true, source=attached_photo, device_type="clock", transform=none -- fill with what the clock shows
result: 9:53:39
